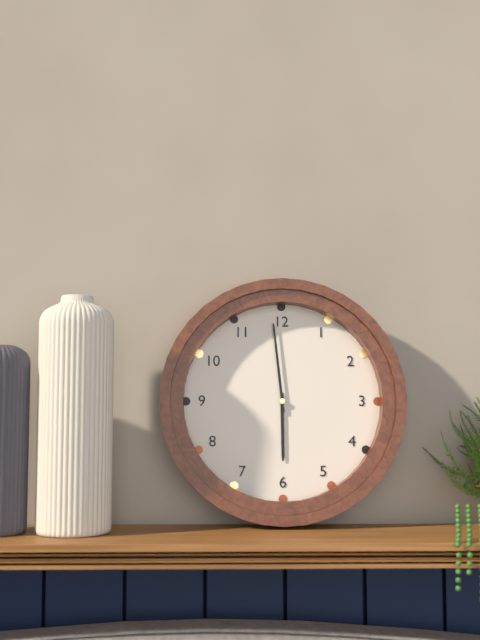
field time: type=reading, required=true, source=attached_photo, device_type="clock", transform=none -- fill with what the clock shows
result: 5:59
